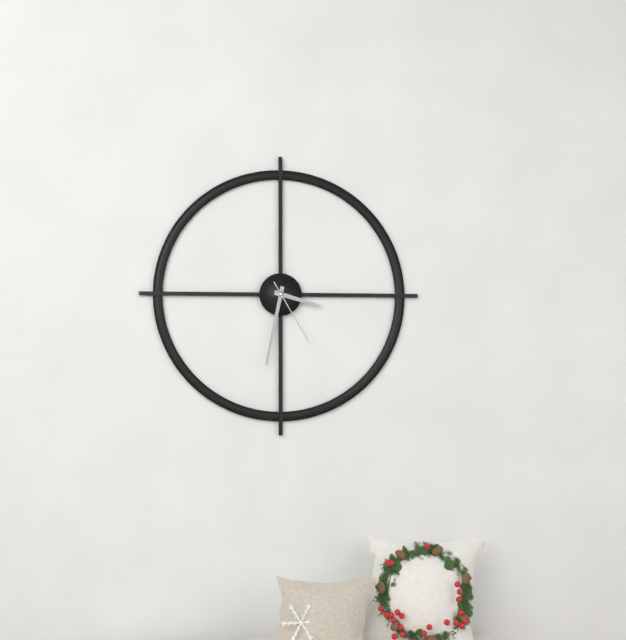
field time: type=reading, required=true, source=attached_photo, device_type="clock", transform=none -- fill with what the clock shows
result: 3:32:25
